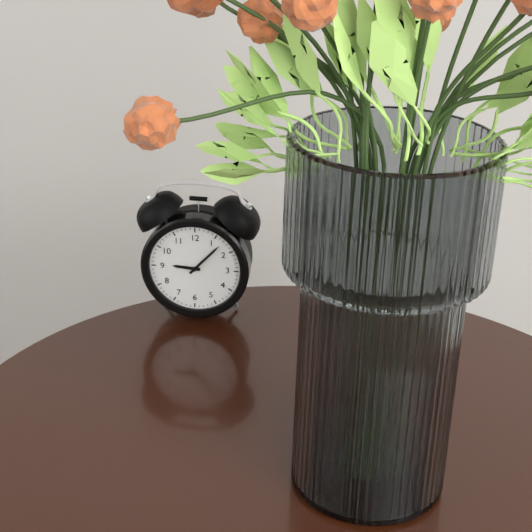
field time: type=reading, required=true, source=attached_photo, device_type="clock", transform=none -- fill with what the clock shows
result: 9:07
